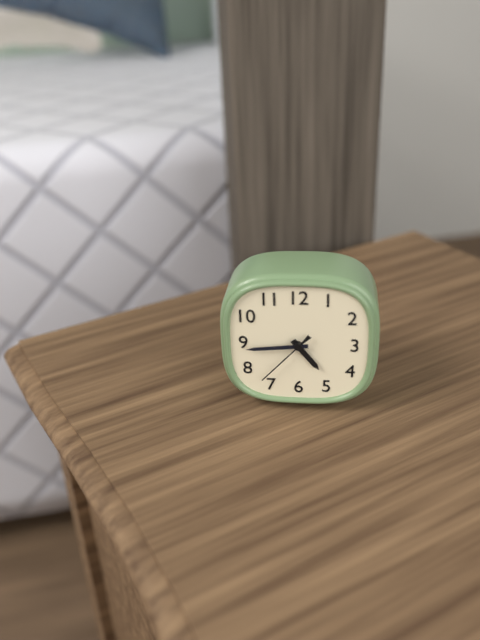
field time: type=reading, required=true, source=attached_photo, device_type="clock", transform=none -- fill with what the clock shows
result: 4:44:37
